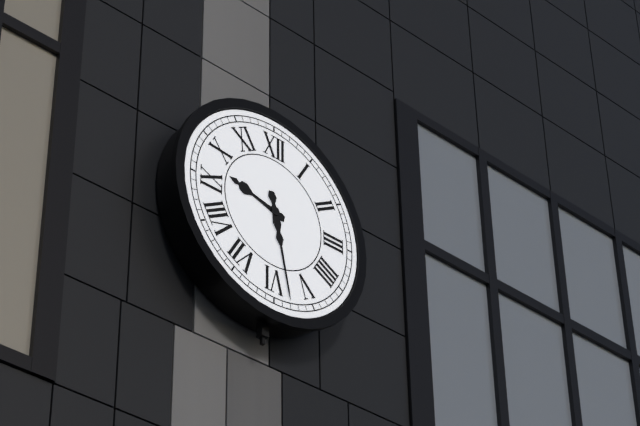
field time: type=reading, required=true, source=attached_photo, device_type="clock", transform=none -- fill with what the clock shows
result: 9:28
